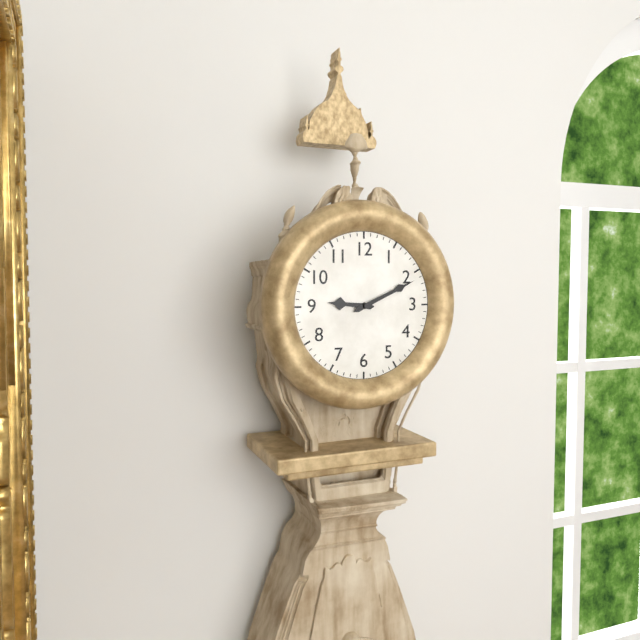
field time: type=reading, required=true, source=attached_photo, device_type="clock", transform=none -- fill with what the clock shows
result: 9:11
